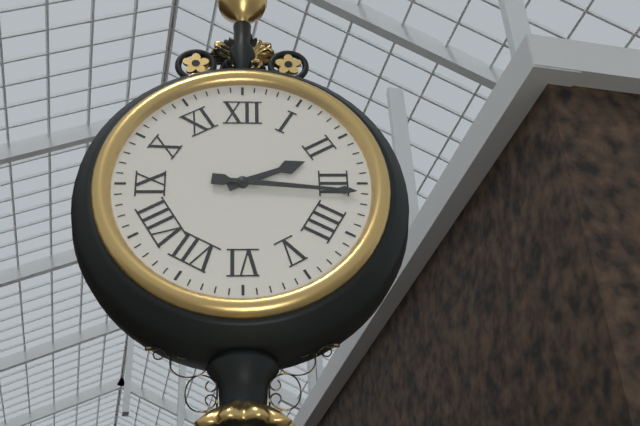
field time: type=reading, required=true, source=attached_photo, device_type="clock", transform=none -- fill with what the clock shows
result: 2:16
